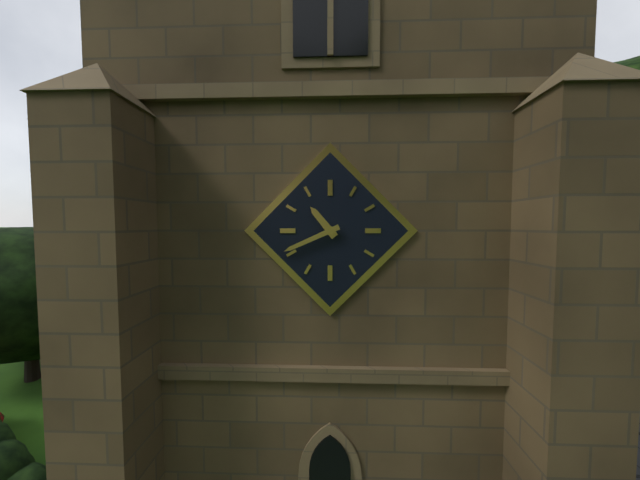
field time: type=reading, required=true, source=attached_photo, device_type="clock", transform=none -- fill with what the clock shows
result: 10:41
